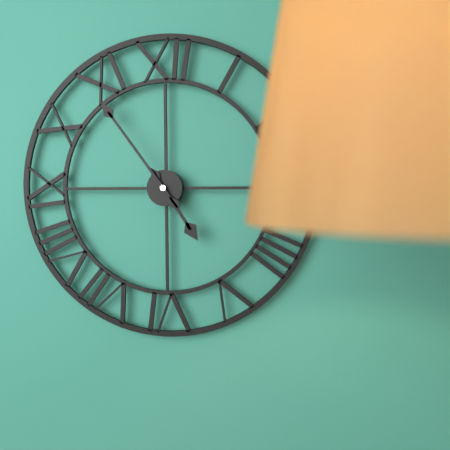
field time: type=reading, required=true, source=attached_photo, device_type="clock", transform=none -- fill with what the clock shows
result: 4:54
